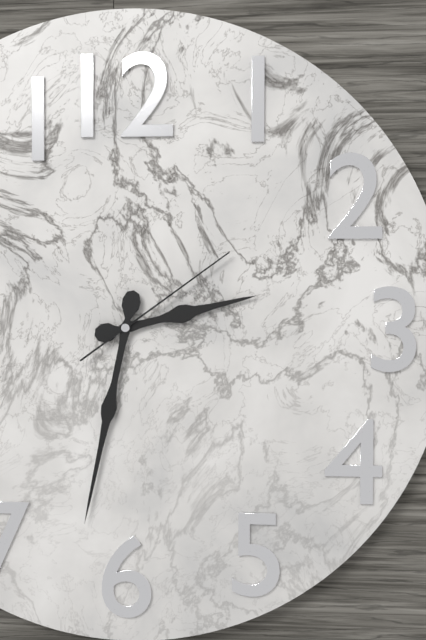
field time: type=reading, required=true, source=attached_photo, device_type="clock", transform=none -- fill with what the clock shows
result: 2:32:09
